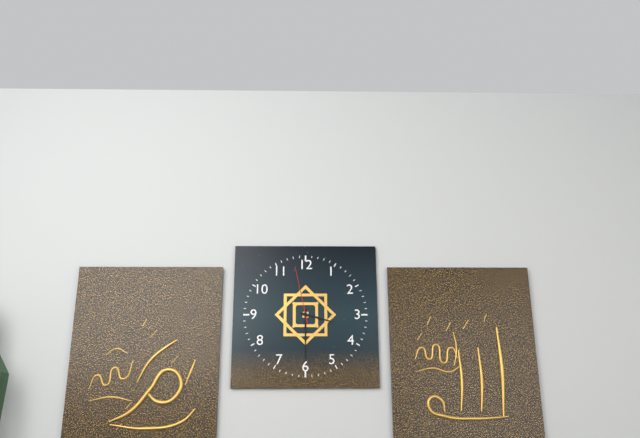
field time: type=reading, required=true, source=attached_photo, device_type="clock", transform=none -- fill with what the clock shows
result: 3:30:58
